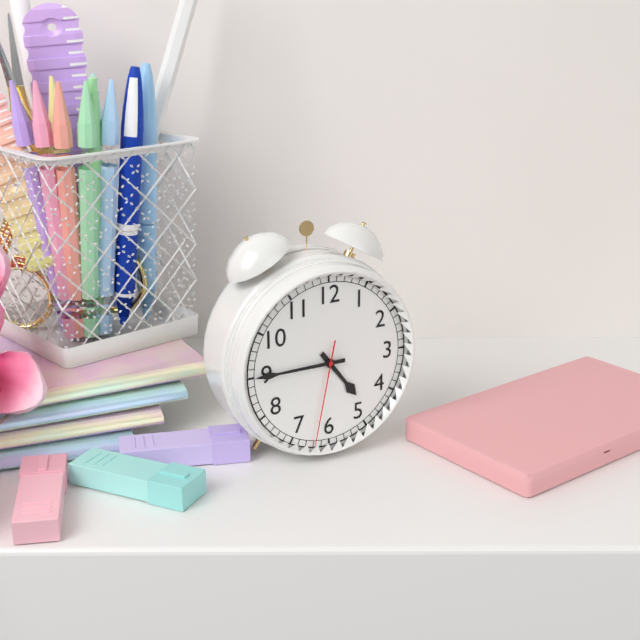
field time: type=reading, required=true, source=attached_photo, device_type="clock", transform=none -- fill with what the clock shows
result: 4:45:32
